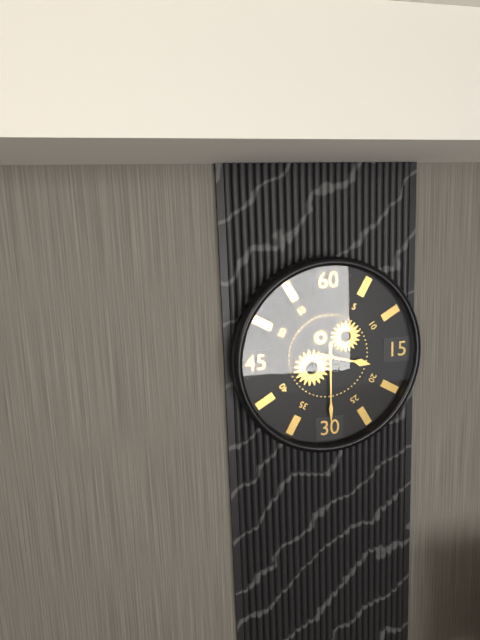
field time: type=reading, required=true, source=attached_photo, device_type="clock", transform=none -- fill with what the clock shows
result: 3:30
